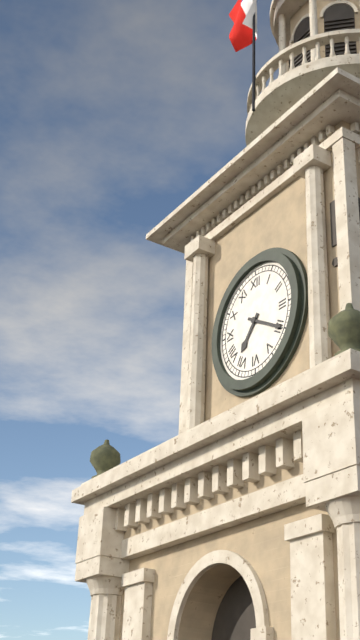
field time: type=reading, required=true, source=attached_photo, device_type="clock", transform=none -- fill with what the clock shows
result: 7:20
